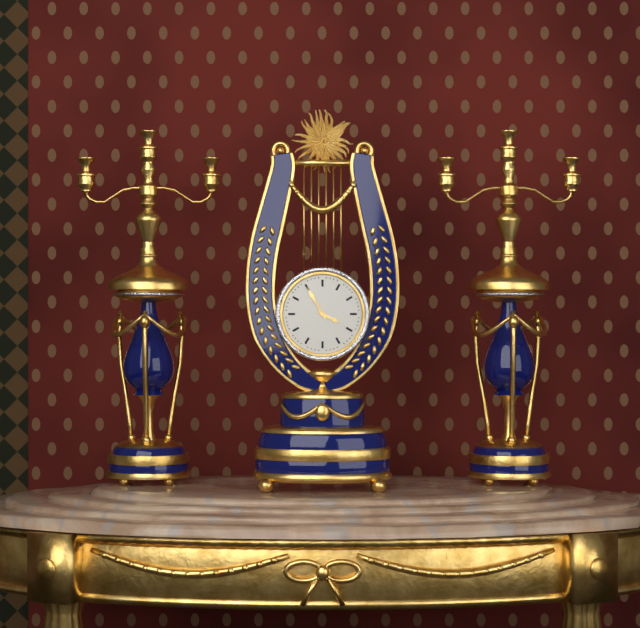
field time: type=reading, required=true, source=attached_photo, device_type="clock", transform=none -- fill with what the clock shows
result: 3:55
